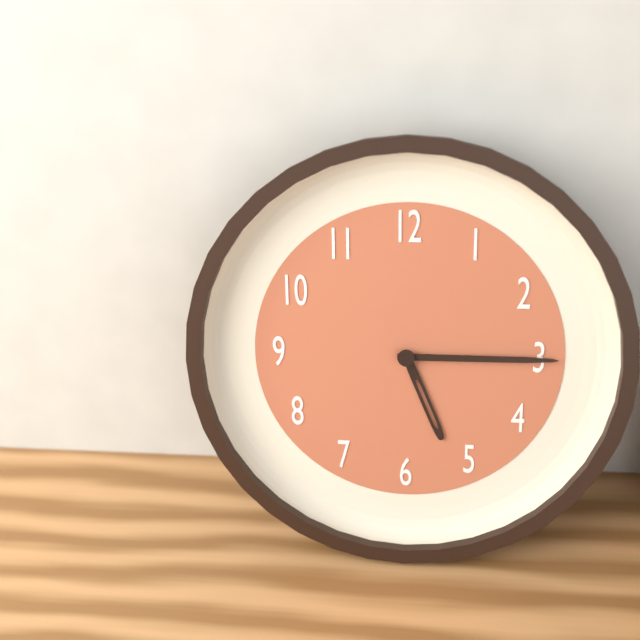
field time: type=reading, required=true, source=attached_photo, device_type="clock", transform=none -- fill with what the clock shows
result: 5:15
